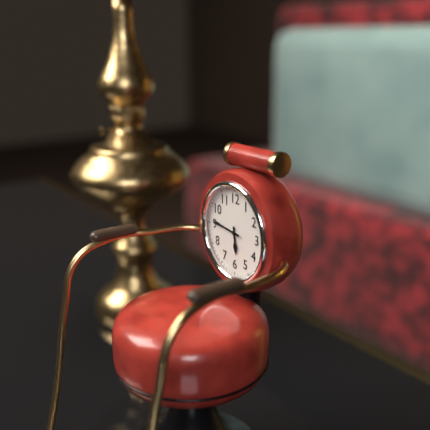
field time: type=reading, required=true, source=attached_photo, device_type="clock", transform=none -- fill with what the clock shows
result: 5:46
